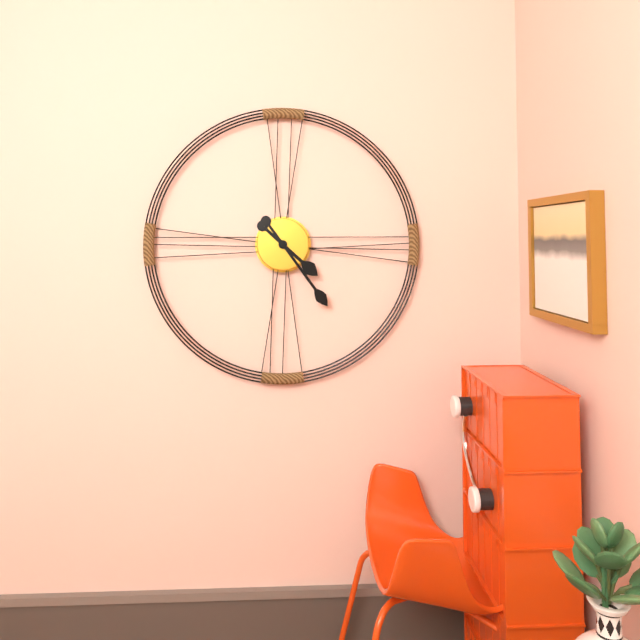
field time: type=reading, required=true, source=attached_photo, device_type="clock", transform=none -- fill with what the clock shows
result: 4:24
